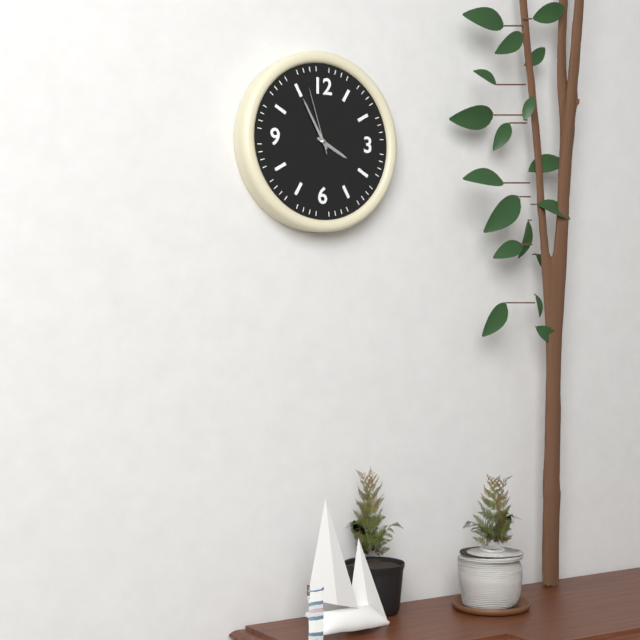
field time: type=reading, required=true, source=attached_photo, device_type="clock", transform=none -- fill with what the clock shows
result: 3:55:57
